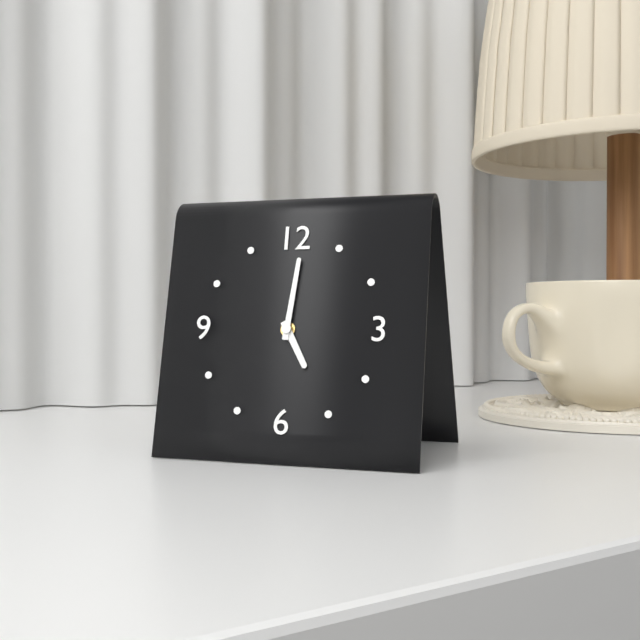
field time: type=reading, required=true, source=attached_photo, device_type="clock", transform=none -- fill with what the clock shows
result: 5:01
